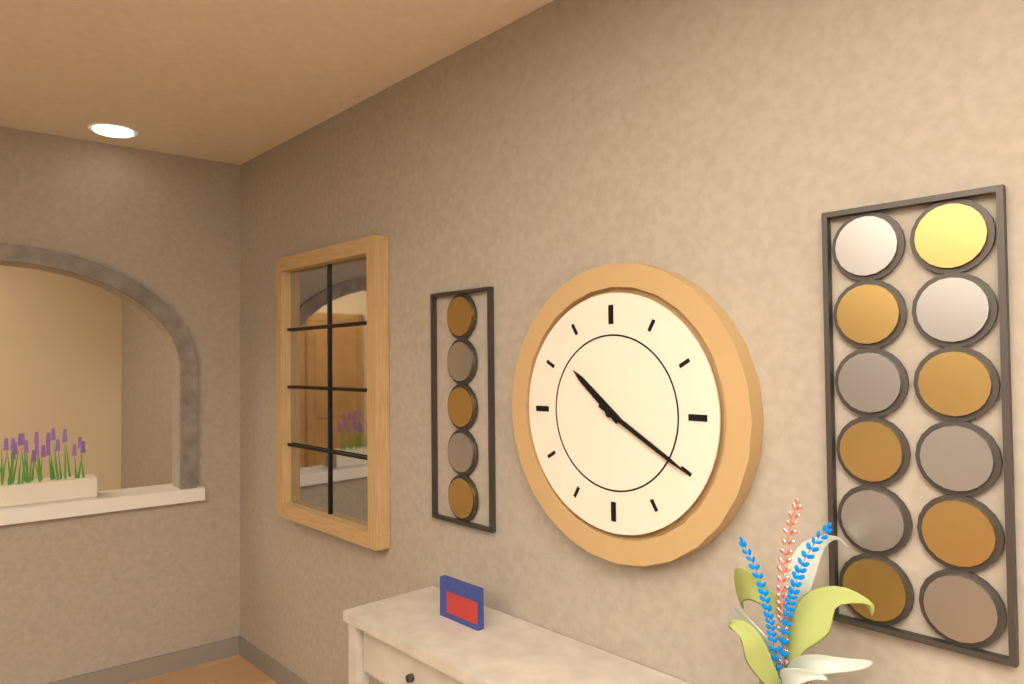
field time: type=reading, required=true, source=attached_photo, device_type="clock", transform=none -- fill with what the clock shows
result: 10:20
